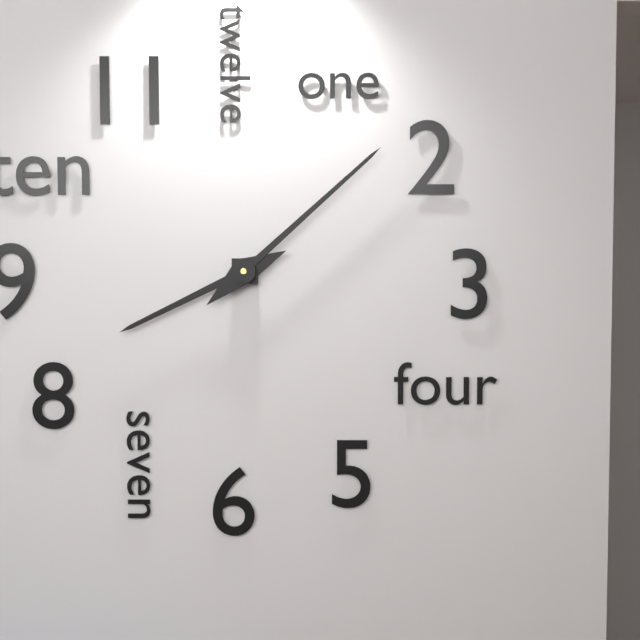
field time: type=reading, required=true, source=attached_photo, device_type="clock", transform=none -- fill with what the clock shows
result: 8:08
